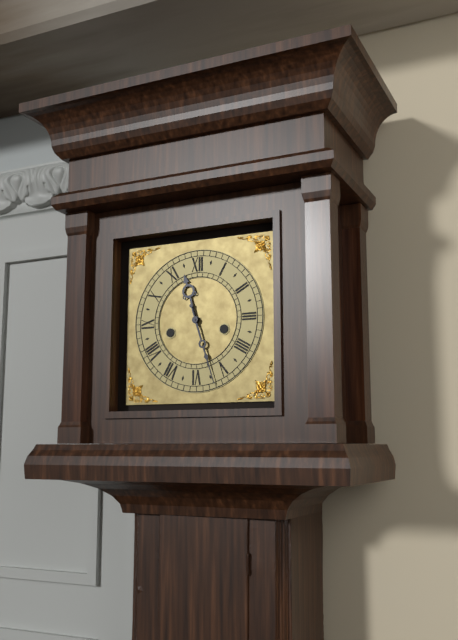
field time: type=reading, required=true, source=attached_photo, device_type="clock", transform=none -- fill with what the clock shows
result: 11:27
